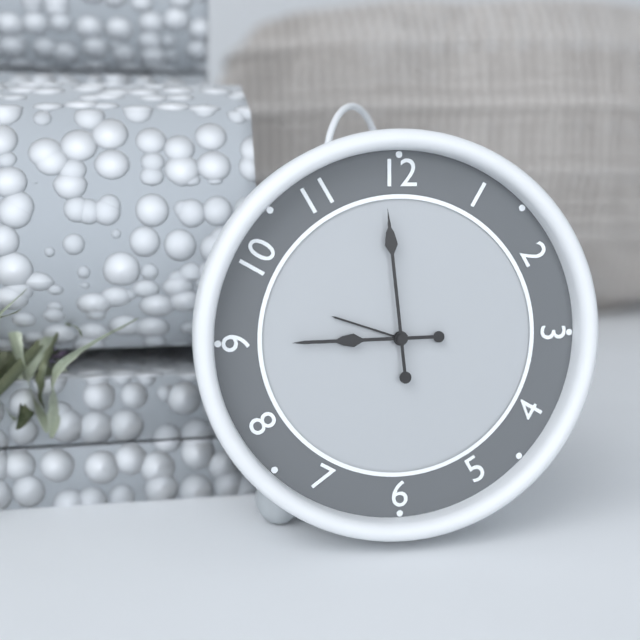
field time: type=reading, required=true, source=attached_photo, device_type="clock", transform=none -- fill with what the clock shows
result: 8:59
